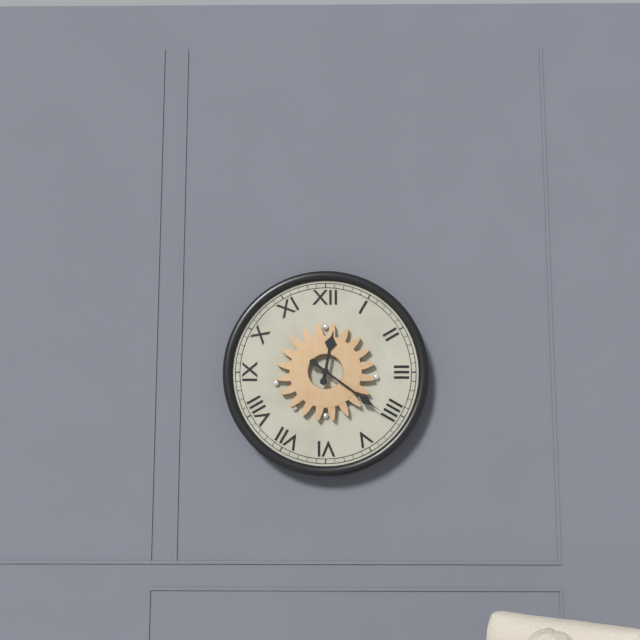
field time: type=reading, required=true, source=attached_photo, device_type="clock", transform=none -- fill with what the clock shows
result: 12:21
